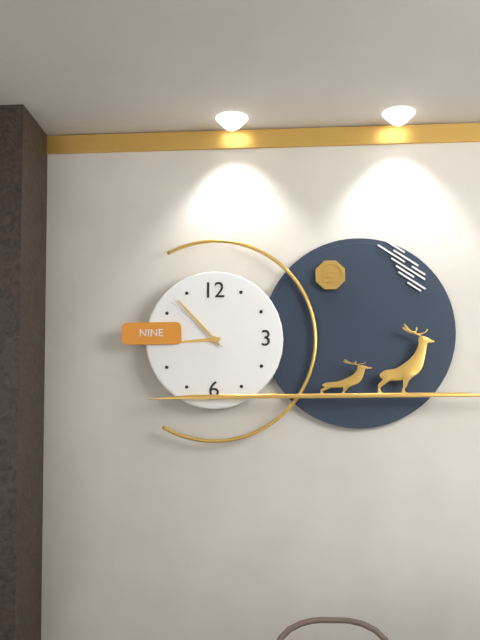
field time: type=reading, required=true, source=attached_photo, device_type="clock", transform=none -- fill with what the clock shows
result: 8:53:52
